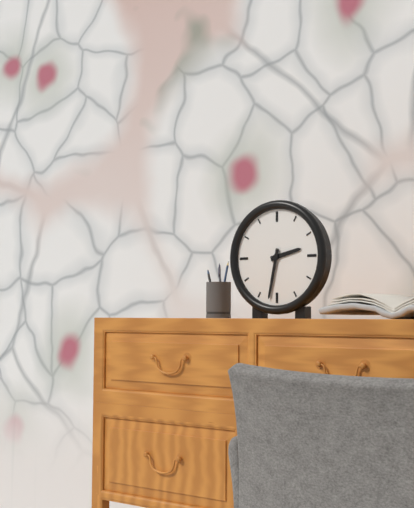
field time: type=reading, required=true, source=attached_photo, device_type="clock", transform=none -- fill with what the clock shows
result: 2:32
